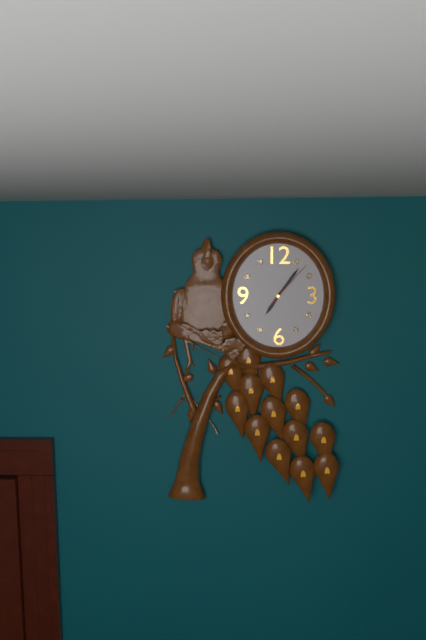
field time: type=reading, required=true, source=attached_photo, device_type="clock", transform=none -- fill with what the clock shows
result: 7:06:07
